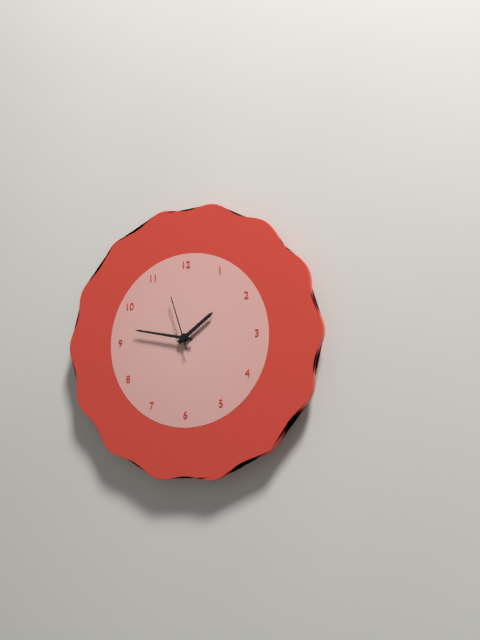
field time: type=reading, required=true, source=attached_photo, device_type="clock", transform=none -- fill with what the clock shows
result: 1:47:57
